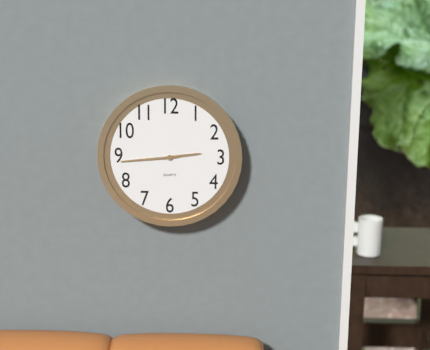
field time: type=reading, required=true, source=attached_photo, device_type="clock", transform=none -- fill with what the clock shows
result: 2:44
